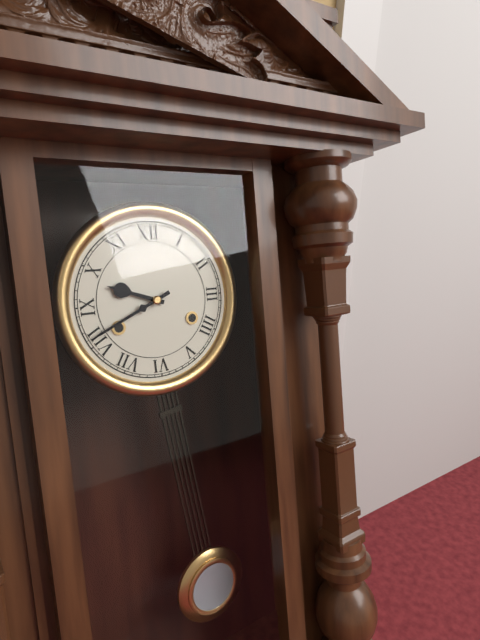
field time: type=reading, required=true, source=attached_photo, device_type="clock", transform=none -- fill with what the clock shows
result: 9:41
